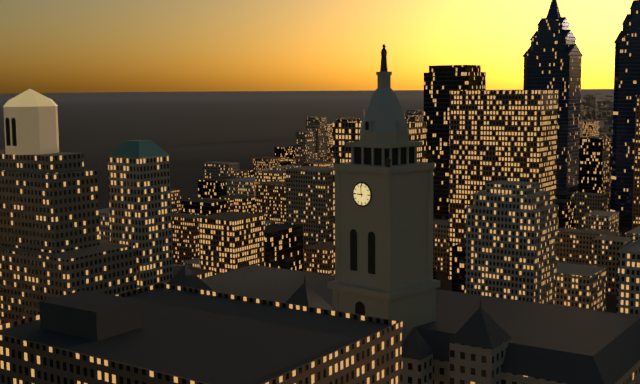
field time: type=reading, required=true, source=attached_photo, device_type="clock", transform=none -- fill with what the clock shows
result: 8:59
